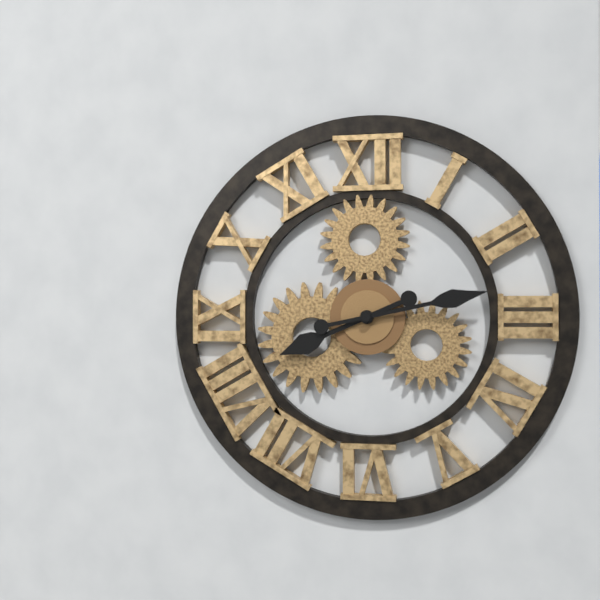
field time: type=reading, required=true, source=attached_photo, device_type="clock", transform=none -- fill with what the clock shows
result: 8:13
